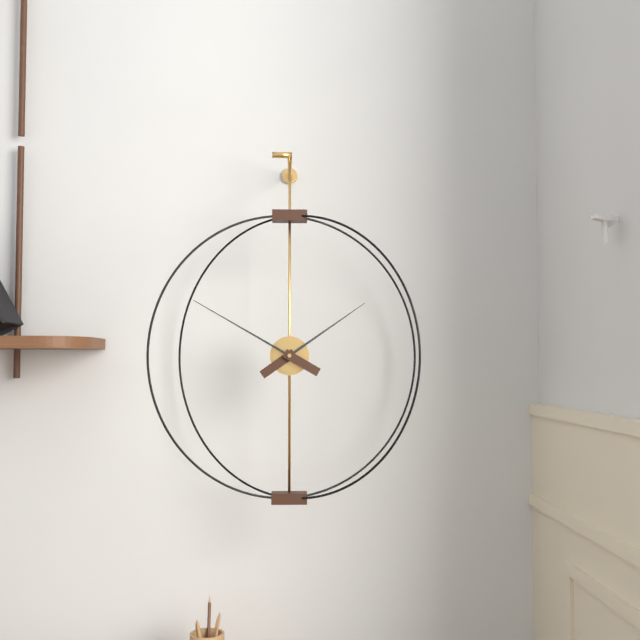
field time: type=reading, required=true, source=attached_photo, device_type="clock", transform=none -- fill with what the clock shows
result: 1:50
